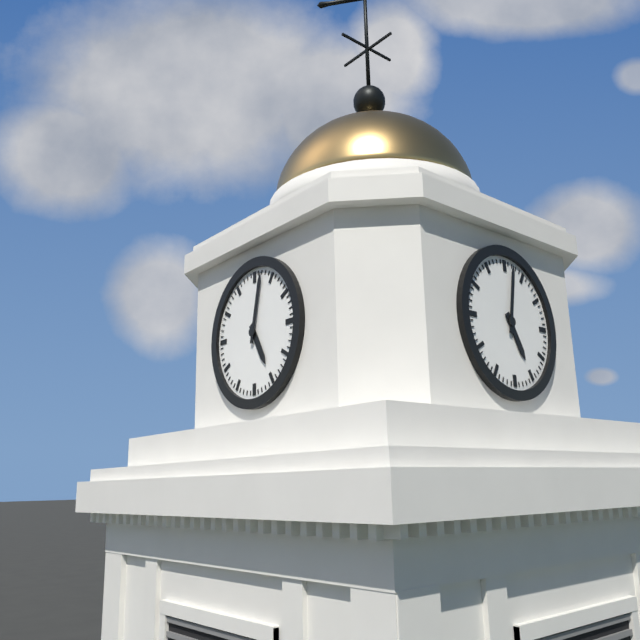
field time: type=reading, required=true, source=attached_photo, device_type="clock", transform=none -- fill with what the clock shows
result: 5:02
